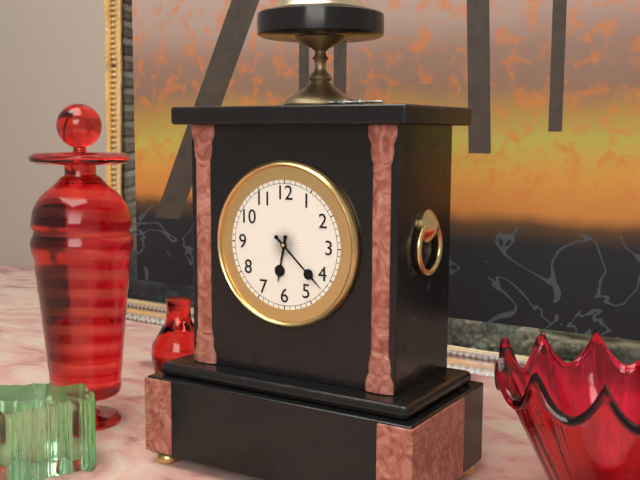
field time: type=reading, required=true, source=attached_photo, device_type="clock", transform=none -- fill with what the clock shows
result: 6:22
